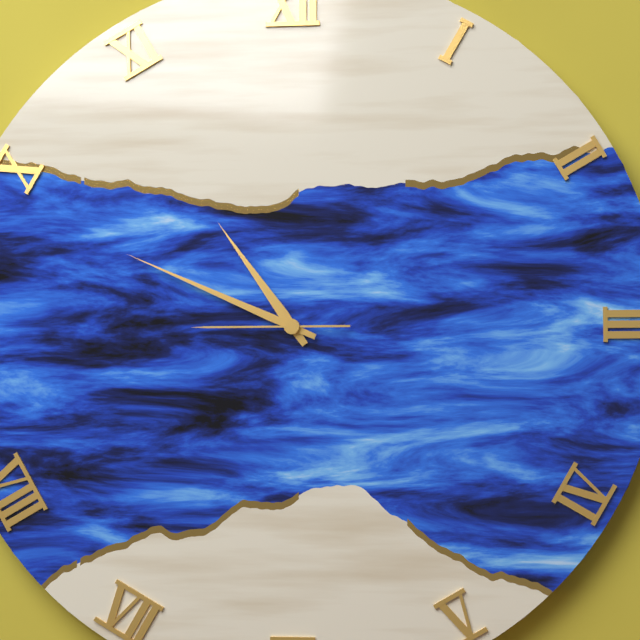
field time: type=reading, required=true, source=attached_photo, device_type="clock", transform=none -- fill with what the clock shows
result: 10:49:45
